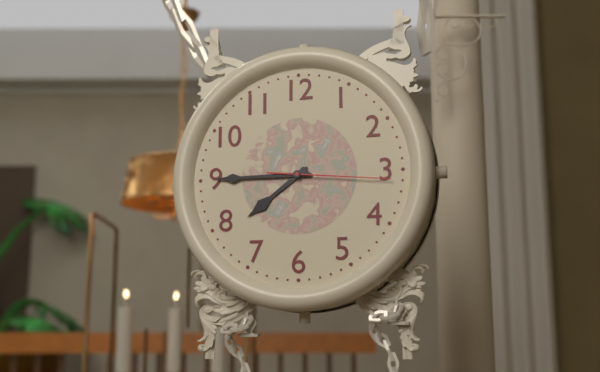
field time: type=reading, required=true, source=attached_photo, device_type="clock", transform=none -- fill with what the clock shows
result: 7:45:16
